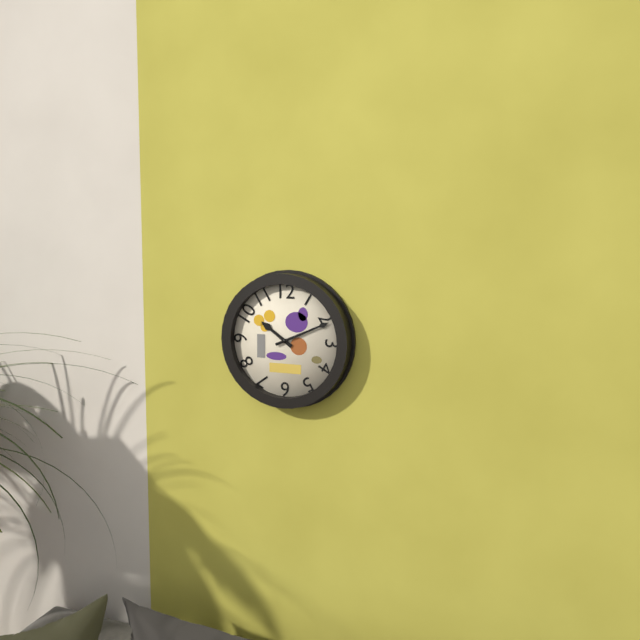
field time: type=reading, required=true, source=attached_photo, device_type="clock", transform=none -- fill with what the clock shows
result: 10:11
